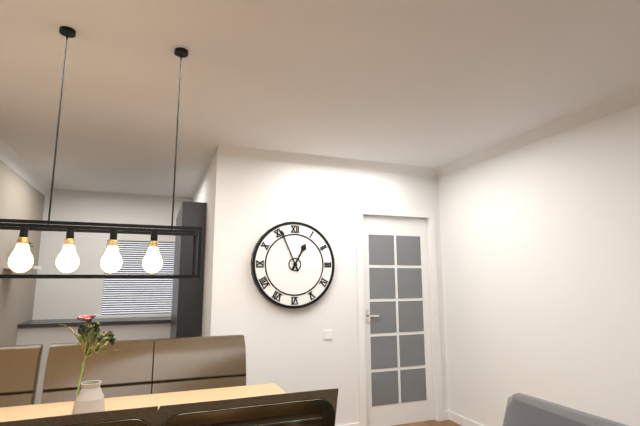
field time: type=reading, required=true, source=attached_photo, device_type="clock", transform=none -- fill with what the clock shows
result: 12:56
